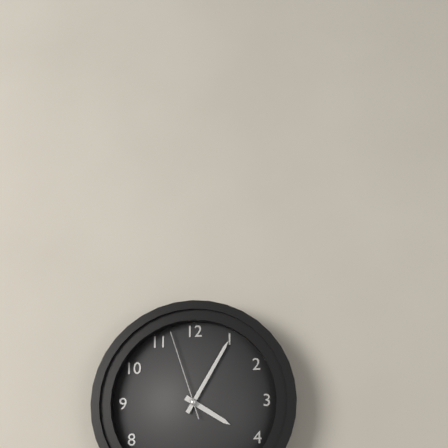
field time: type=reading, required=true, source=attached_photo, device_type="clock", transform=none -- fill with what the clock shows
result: 4:05:57
